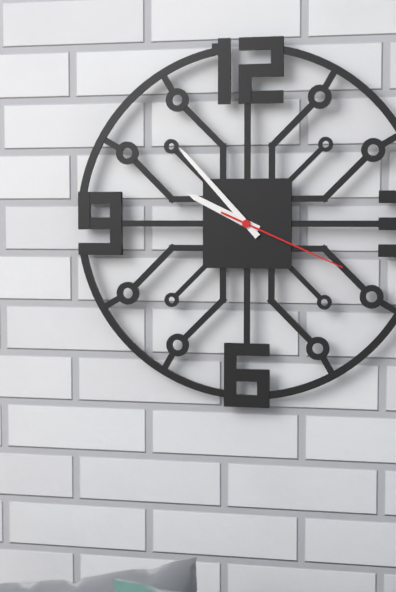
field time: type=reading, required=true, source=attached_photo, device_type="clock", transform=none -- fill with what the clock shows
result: 9:53:19
